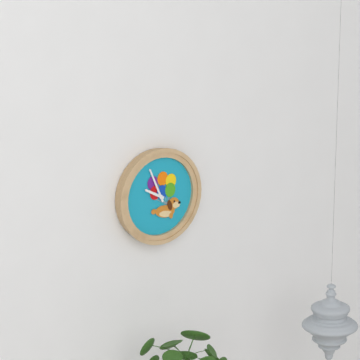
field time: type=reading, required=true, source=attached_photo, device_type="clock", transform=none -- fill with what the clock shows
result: 9:56
